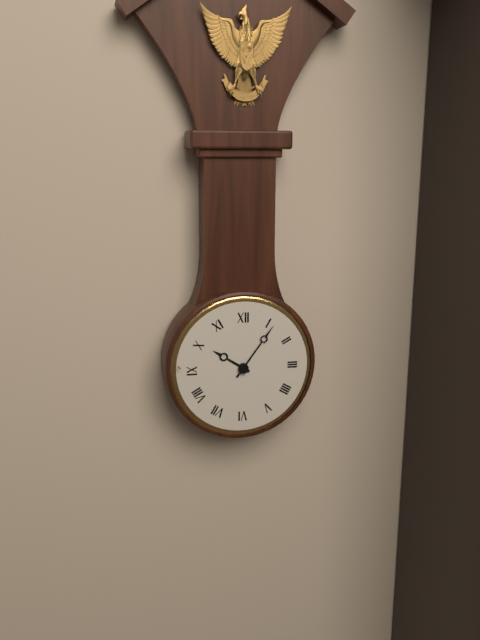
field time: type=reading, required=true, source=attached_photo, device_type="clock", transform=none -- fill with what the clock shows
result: 10:06
